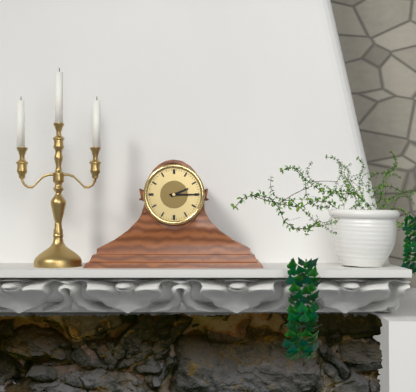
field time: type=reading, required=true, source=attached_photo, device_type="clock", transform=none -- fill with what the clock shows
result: 2:15
